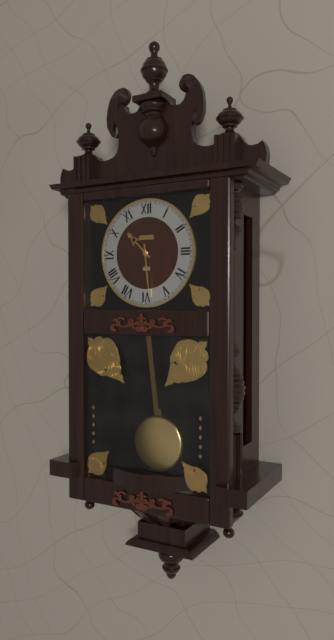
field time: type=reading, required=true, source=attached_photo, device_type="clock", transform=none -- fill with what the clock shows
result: 10:29
